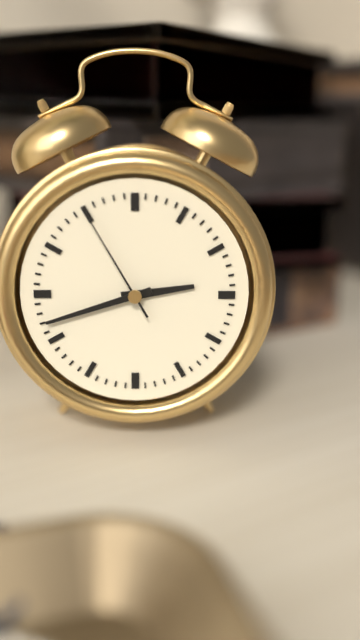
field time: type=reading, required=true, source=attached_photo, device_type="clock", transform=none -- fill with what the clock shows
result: 2:42:55
